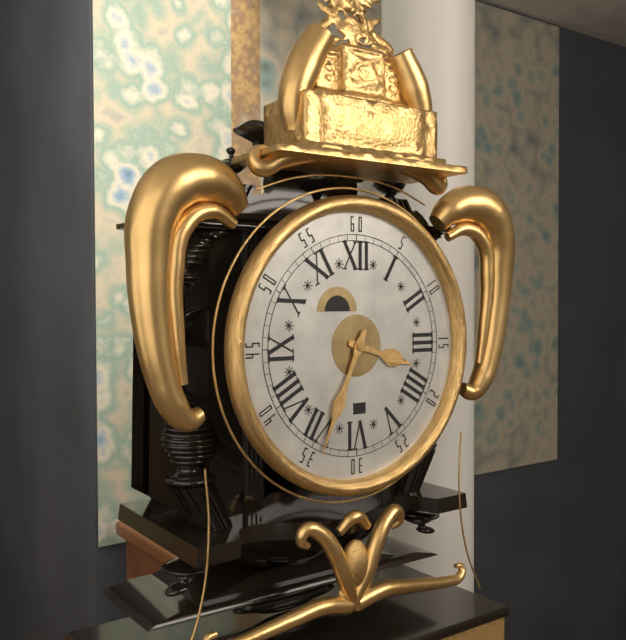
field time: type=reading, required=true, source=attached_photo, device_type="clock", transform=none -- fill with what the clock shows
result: 3:34
